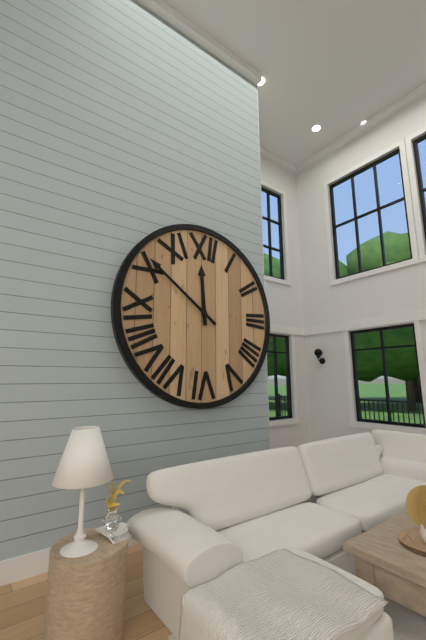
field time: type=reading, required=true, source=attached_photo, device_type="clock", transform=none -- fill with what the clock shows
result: 11:51
